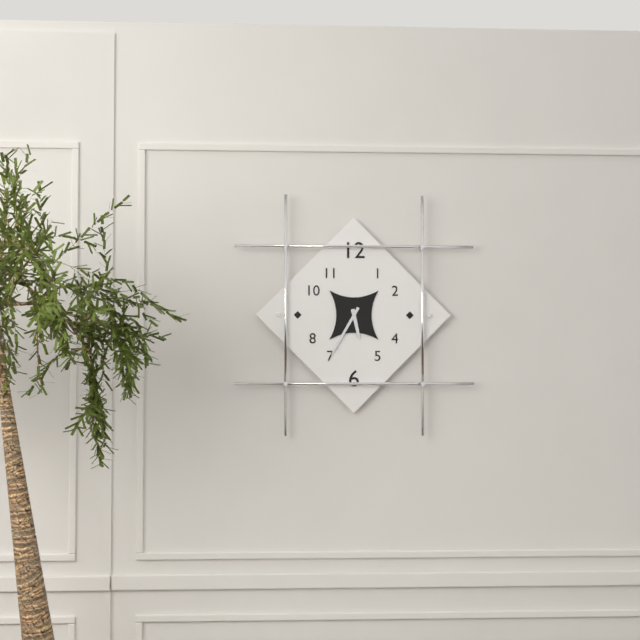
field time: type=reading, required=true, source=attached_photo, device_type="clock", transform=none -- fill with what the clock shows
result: 5:35
